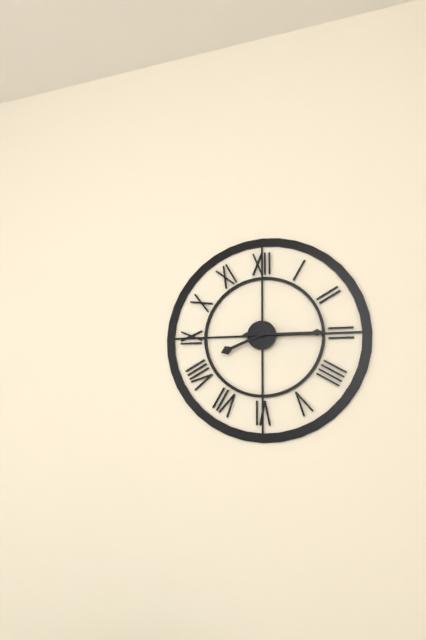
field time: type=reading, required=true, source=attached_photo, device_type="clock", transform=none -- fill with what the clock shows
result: 8:15
